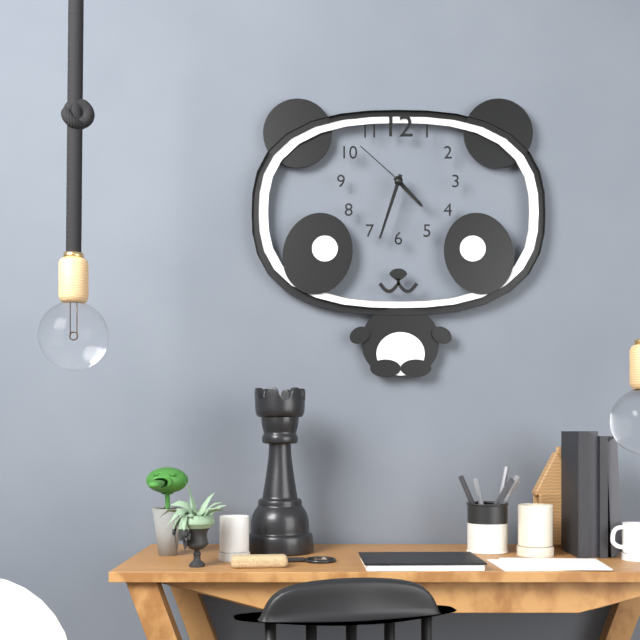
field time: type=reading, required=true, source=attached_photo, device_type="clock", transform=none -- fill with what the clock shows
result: 4:33:52
